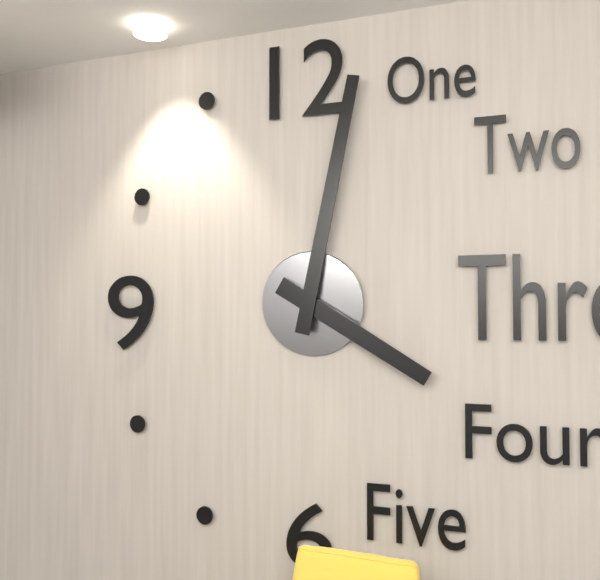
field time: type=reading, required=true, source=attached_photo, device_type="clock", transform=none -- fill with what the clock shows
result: 4:02
